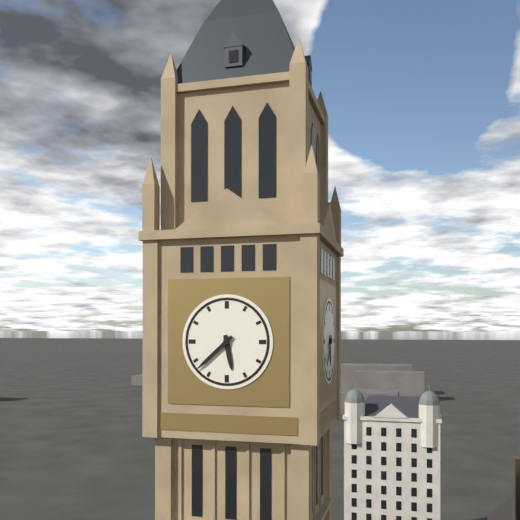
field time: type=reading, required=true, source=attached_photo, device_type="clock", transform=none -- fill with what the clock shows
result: 5:38
